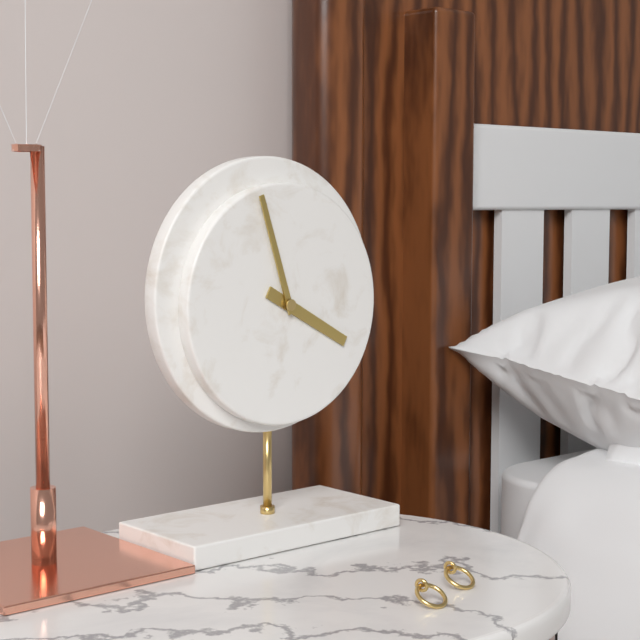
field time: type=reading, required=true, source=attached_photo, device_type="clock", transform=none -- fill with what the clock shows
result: 3:57
